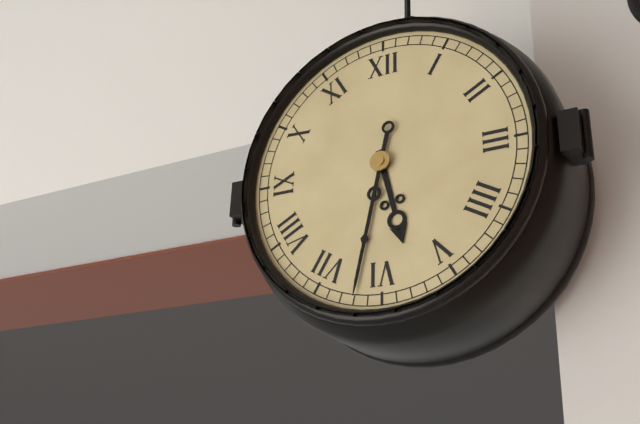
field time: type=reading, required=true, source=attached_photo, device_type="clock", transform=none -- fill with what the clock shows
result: 5:32
